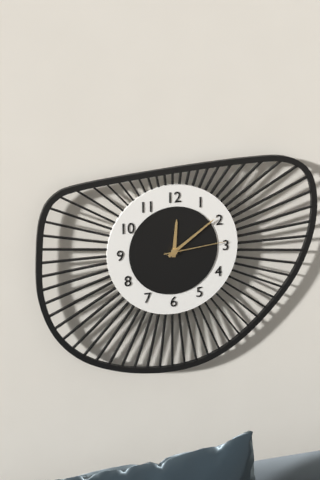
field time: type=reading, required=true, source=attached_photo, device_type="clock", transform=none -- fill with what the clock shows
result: 12:09:14
